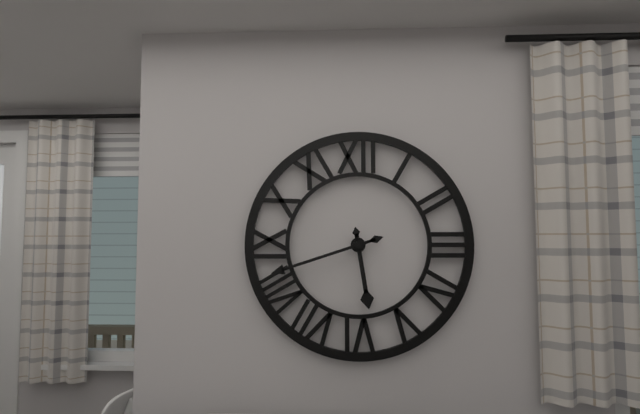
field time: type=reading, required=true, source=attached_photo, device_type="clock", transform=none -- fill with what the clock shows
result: 5:42
